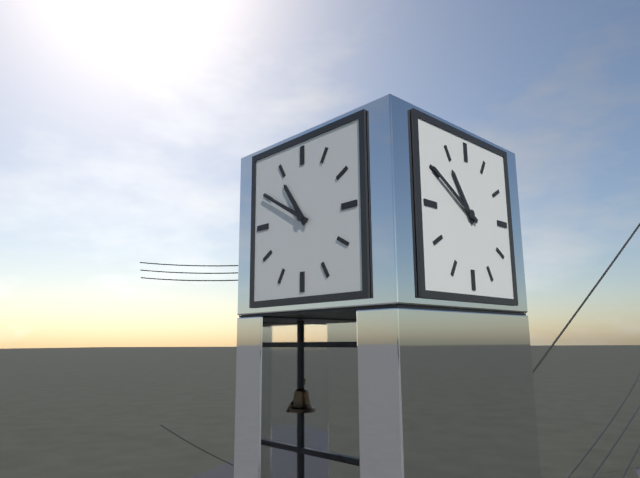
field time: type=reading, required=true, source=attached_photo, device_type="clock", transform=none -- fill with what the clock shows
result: 10:50
